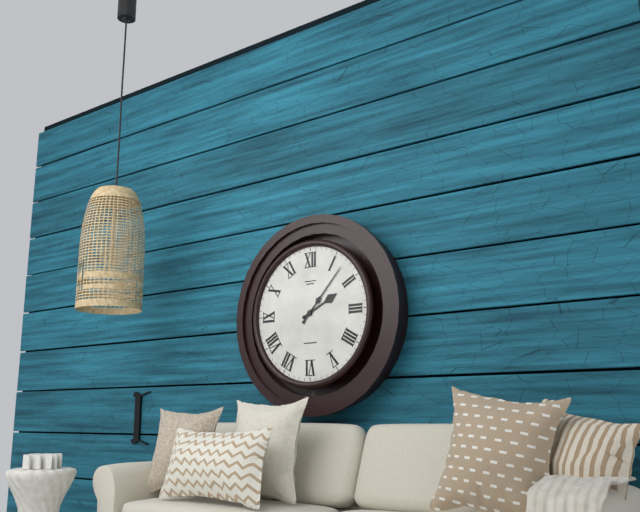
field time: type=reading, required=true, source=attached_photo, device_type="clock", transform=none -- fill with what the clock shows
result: 2:07
